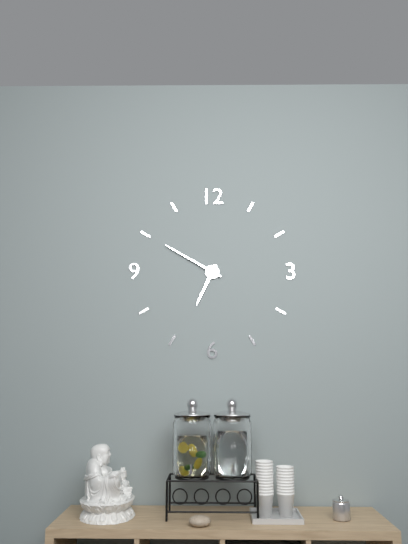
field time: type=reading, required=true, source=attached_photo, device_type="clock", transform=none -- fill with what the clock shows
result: 6:50
